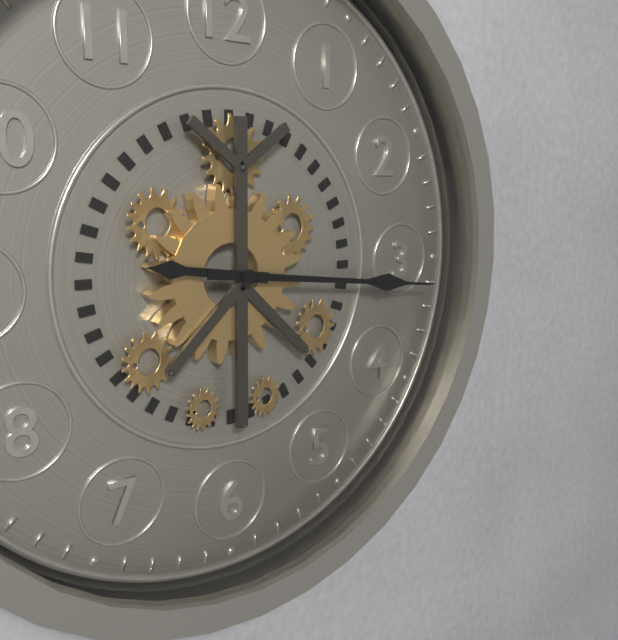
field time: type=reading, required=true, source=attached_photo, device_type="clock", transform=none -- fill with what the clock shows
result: 9:16
